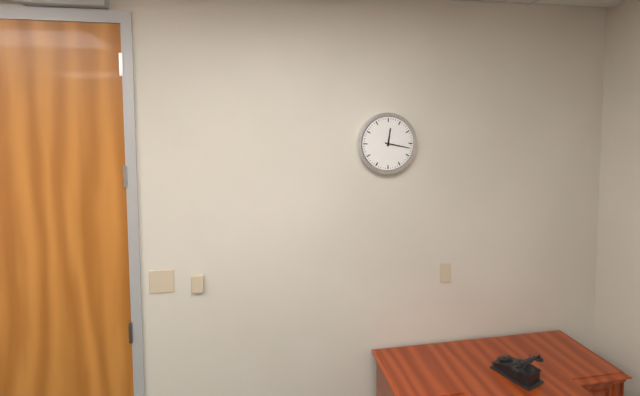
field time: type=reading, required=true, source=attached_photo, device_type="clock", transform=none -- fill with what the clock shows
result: 12:17
